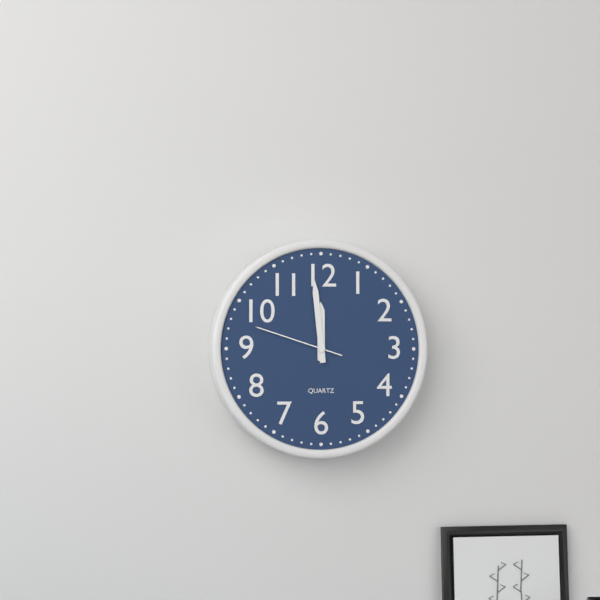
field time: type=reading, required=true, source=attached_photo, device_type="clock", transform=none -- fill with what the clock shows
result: 11:59:48
